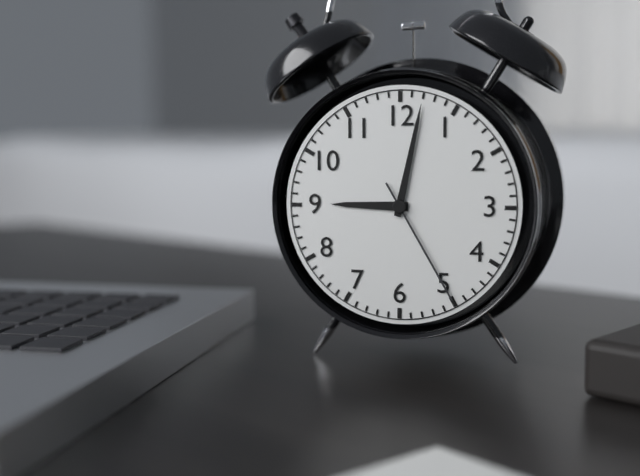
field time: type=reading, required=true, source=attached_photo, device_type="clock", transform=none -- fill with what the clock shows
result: 9:02:25
